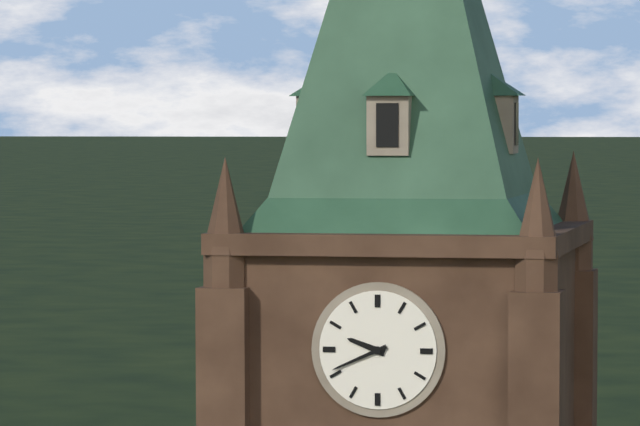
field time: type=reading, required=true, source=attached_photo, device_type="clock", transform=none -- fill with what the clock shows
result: 9:41
